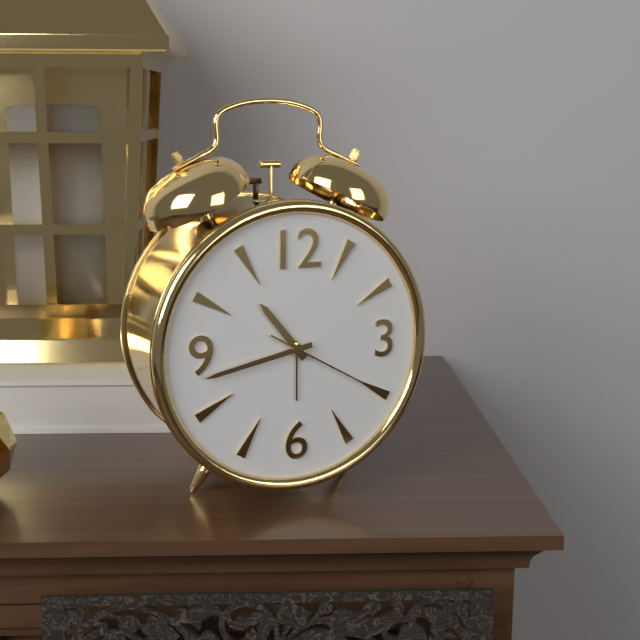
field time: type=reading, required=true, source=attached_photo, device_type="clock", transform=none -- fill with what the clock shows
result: 10:43:20
